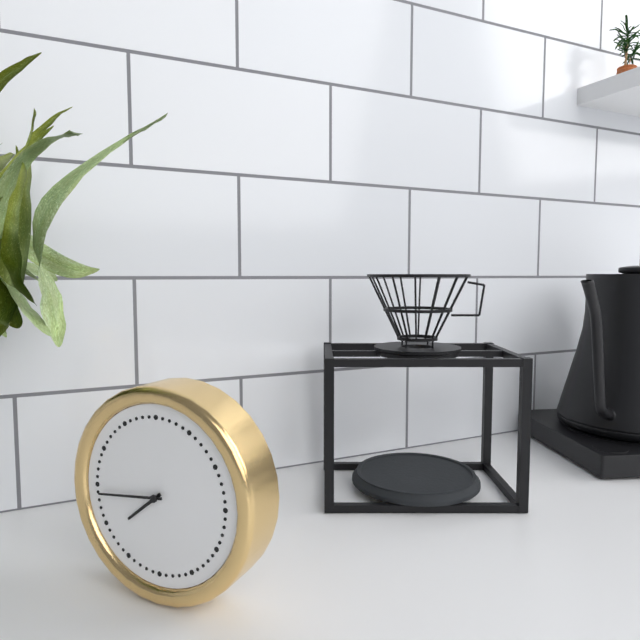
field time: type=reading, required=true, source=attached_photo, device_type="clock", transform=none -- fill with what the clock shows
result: 7:44
